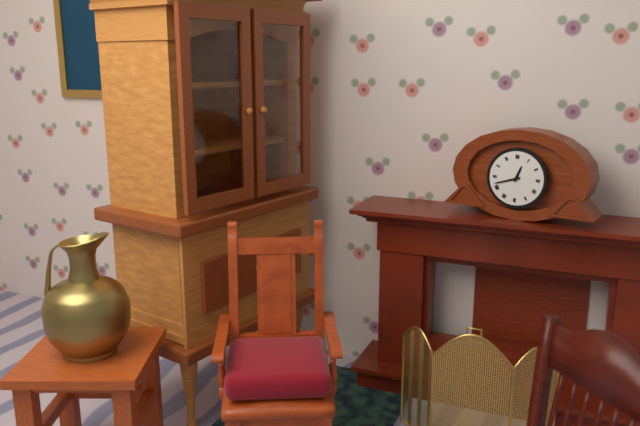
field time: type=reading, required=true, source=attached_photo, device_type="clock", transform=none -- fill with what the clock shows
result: 12:42
